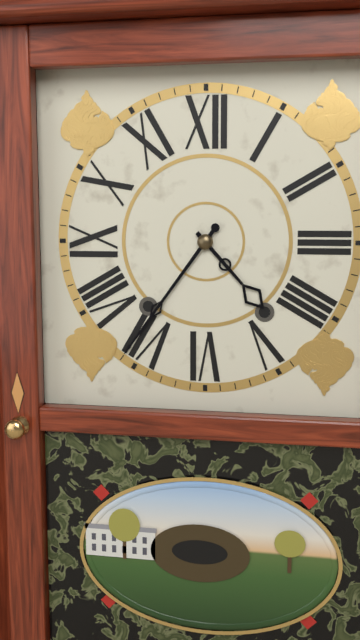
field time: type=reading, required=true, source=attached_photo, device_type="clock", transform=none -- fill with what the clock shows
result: 4:36
